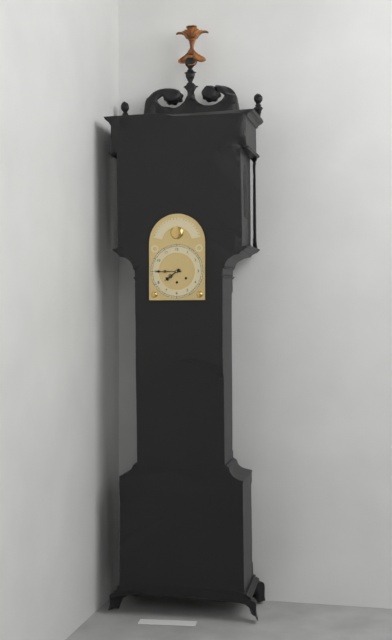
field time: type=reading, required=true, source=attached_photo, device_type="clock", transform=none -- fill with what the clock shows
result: 7:45
